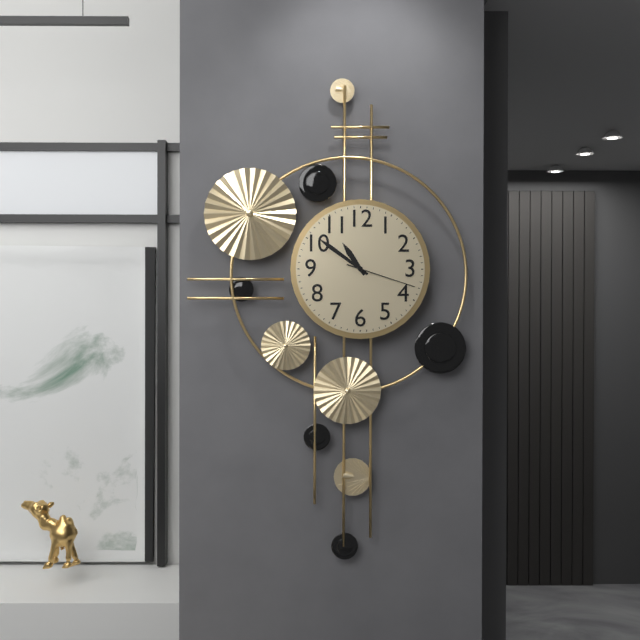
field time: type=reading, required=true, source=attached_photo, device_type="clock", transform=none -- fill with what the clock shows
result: 10:51:18
